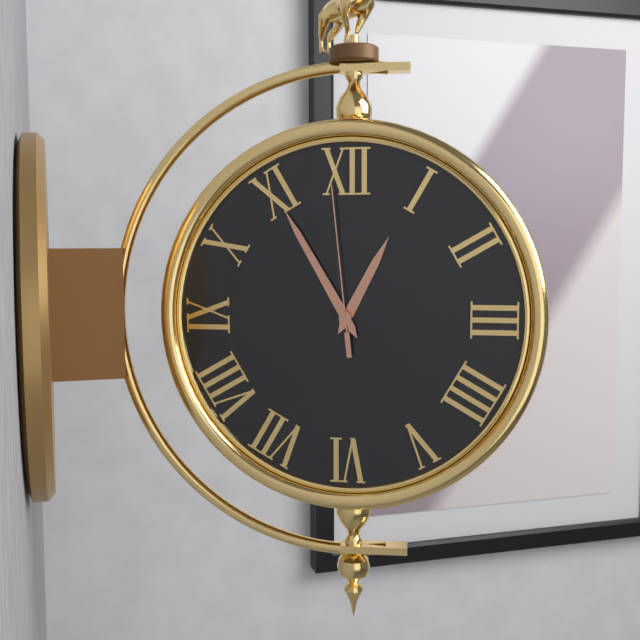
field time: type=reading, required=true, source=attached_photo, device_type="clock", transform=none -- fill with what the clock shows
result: 12:55:59
